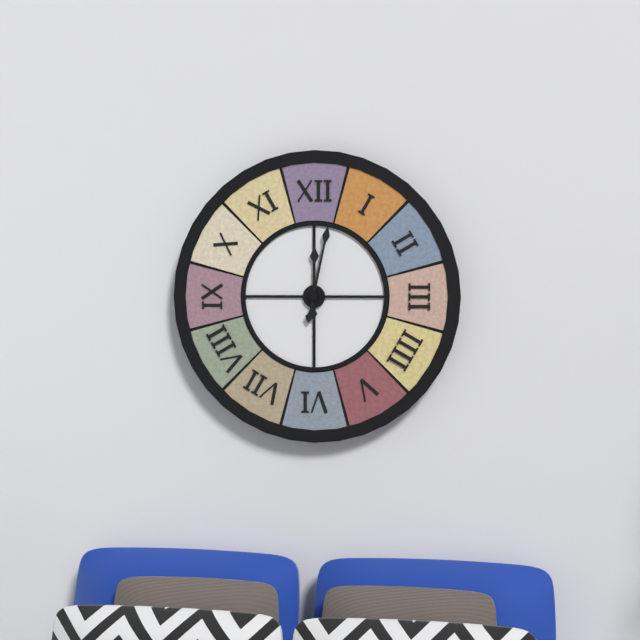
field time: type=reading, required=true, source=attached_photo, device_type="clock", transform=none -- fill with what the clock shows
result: 12:02
